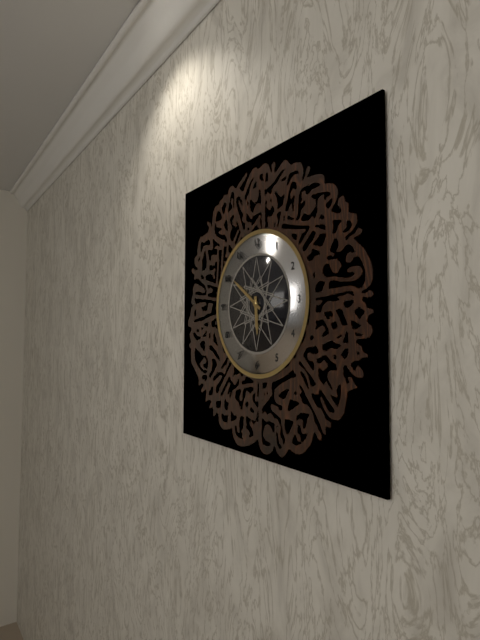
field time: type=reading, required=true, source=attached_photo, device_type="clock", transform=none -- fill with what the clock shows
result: 5:51
